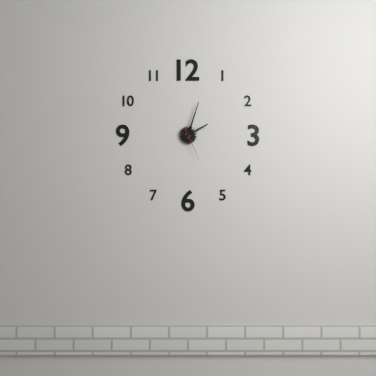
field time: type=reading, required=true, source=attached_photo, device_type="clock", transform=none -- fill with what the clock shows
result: 2:03
